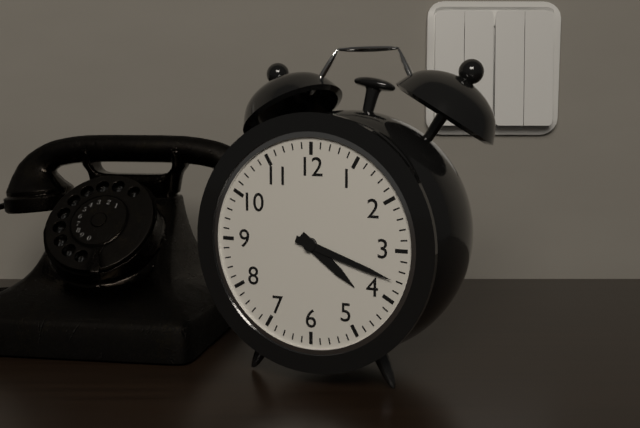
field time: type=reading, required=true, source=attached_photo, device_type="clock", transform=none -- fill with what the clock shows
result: 4:18
